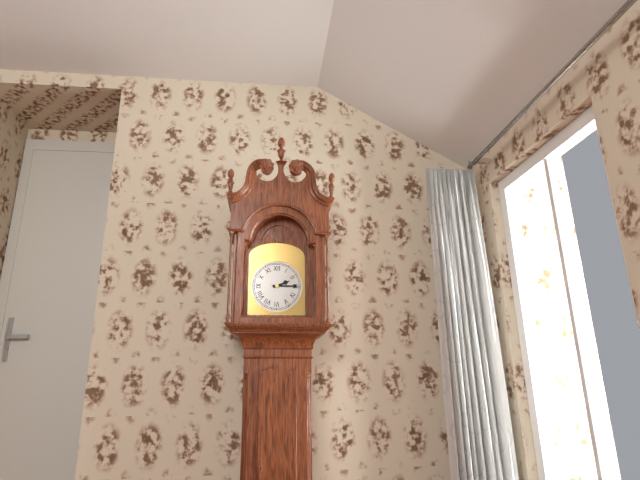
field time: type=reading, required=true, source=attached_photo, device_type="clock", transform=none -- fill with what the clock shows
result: 2:15
